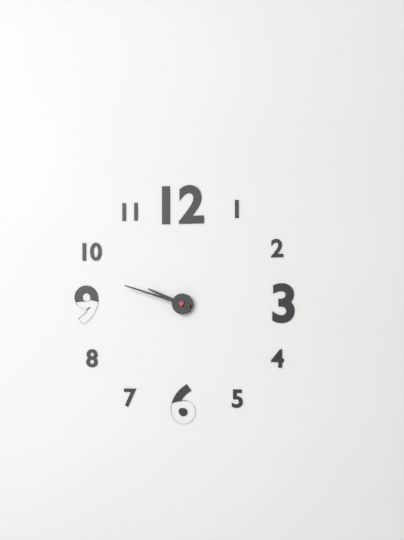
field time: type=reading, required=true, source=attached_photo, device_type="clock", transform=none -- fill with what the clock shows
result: 9:48
